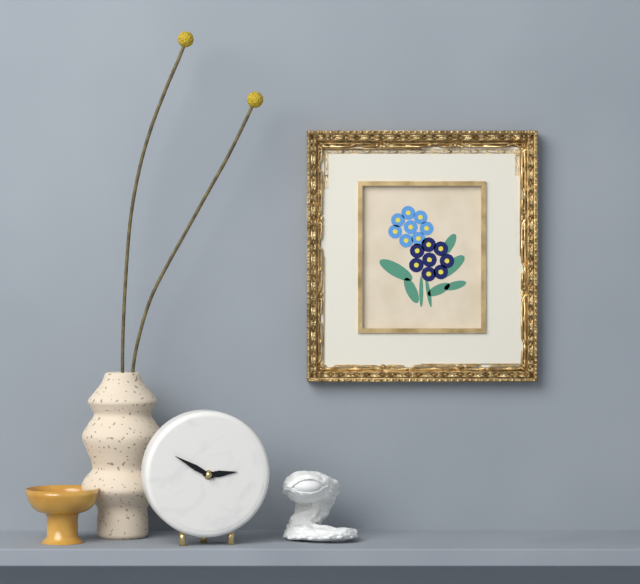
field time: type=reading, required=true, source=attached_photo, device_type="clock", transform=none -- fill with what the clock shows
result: 2:50
